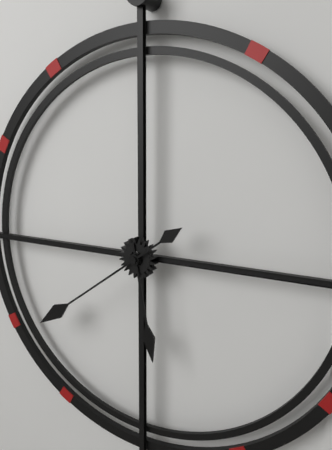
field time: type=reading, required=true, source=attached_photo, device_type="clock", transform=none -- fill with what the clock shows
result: 5:39
